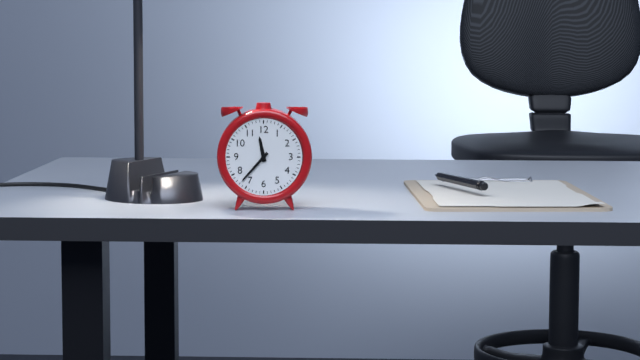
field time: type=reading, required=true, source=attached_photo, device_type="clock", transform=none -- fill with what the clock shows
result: 11:37
